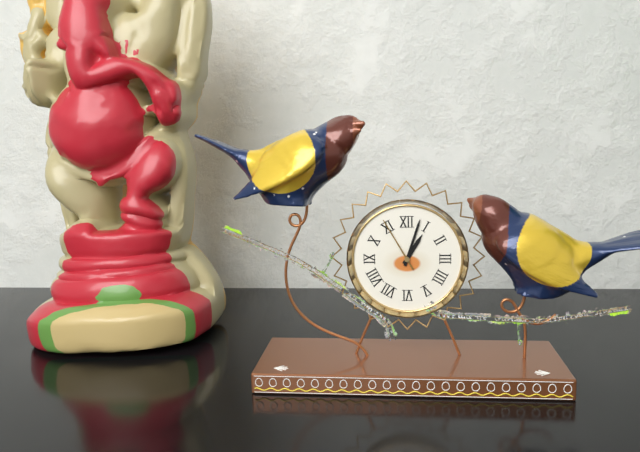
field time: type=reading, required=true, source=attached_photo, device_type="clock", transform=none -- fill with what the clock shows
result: 1:03:55
